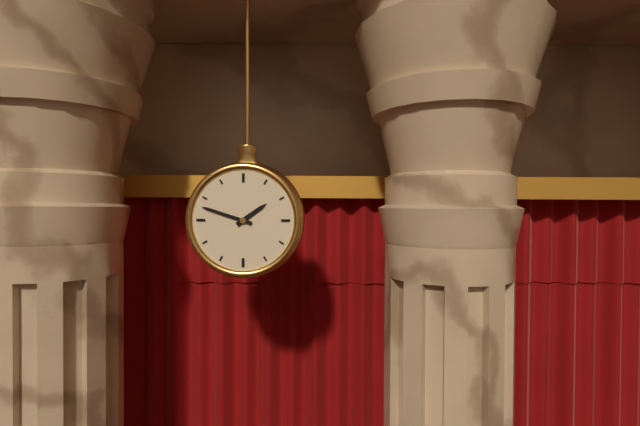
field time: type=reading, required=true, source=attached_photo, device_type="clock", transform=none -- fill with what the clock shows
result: 1:48
